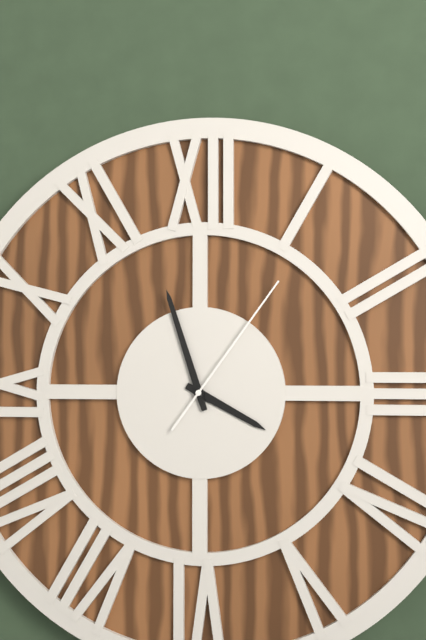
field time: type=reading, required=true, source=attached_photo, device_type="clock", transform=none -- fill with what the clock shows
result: 3:57:06
